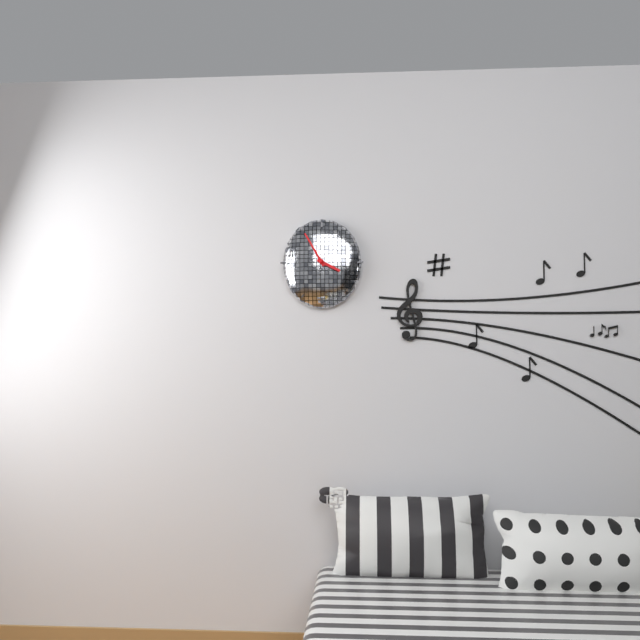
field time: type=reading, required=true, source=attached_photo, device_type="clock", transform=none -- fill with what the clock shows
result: 3:55
